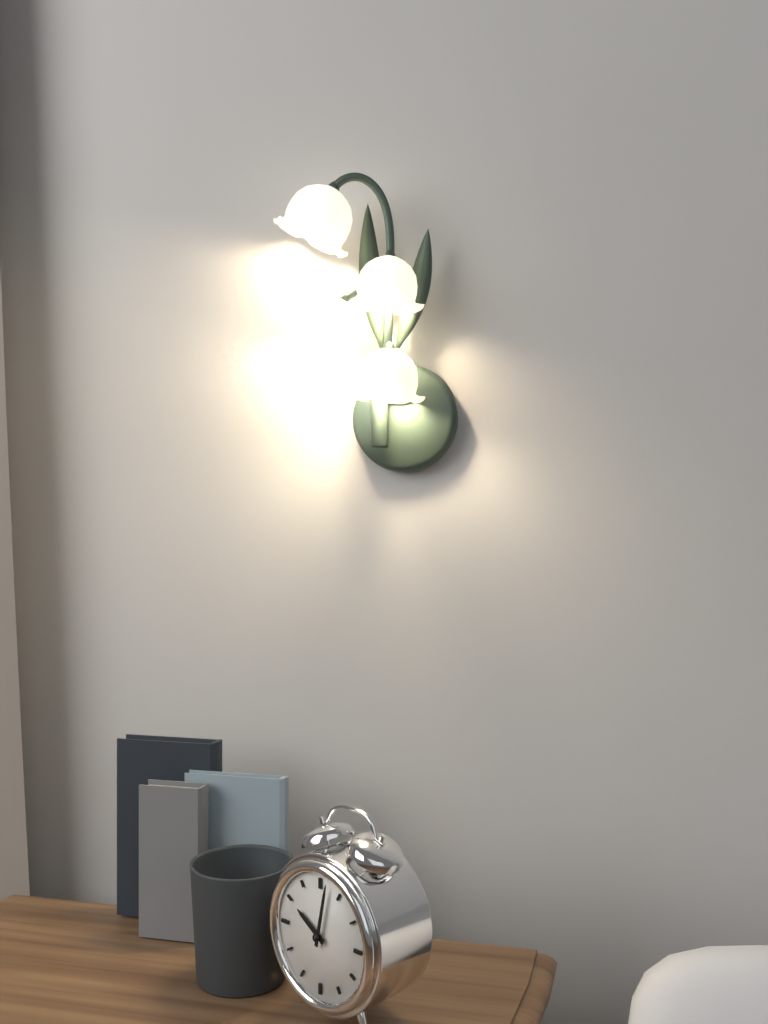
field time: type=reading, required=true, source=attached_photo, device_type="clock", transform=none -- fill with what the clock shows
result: 10:02
